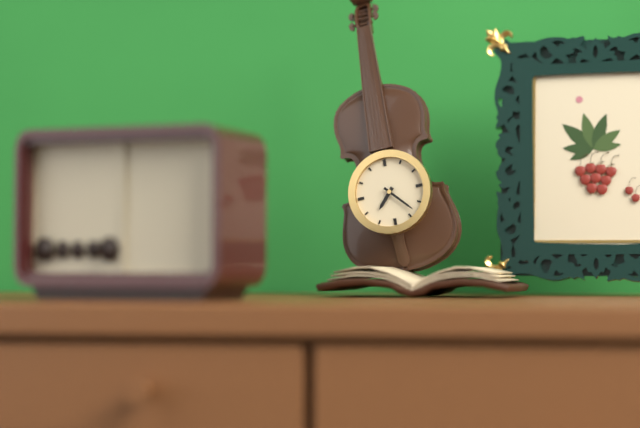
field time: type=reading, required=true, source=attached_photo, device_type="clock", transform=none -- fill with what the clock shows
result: 7:23
